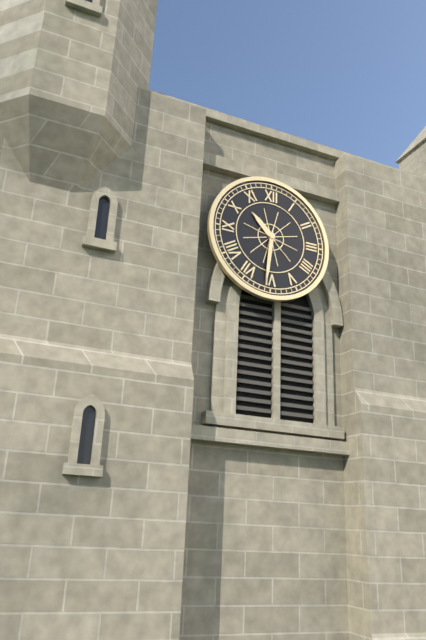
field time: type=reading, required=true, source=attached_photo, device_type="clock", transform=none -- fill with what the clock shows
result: 10:31
